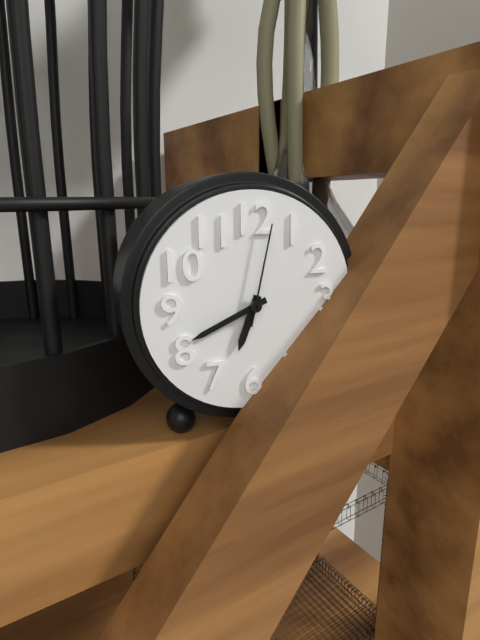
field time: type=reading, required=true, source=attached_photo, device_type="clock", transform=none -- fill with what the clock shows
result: 6:41:02
